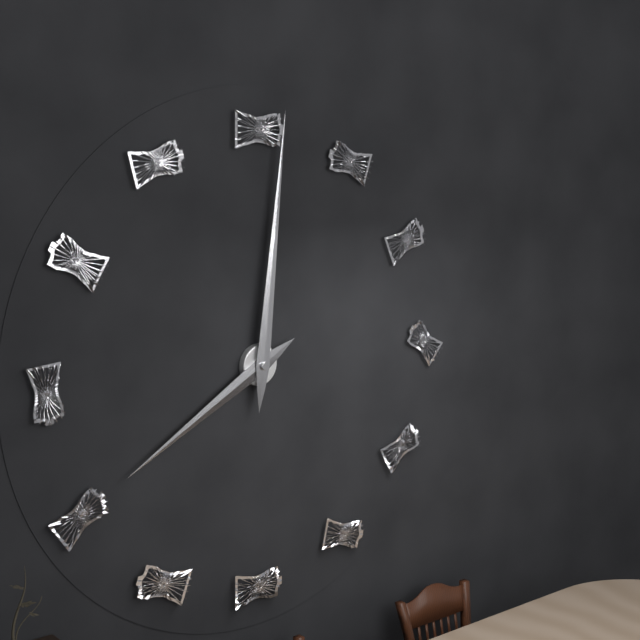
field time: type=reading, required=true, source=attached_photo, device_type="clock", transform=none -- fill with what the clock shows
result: 8:01
